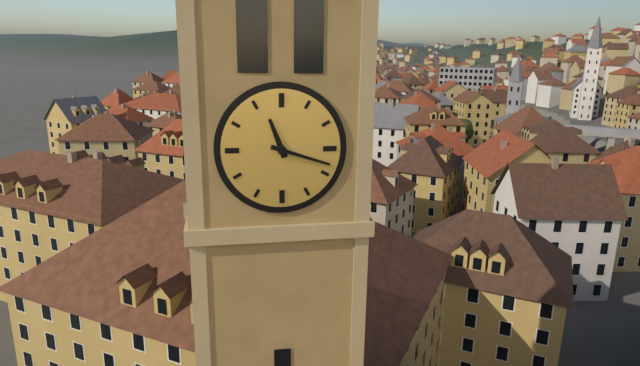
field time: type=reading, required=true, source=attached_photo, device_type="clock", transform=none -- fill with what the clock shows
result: 11:18
